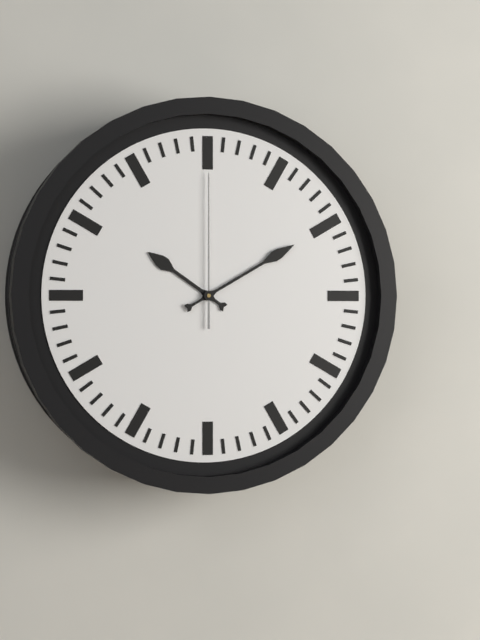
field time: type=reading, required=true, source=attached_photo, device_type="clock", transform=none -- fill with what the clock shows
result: 10:10:00
